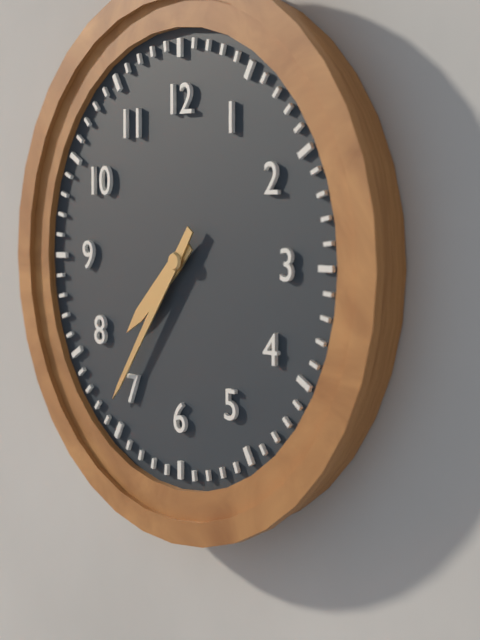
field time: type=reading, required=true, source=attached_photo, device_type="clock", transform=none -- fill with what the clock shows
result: 7:36
